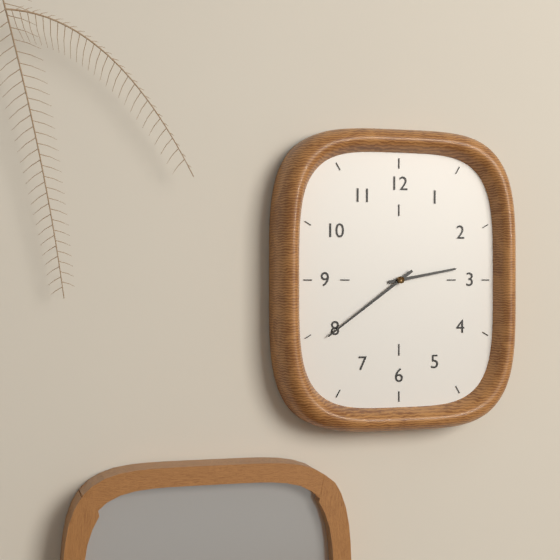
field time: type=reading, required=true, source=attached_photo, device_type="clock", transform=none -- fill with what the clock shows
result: 2:39
